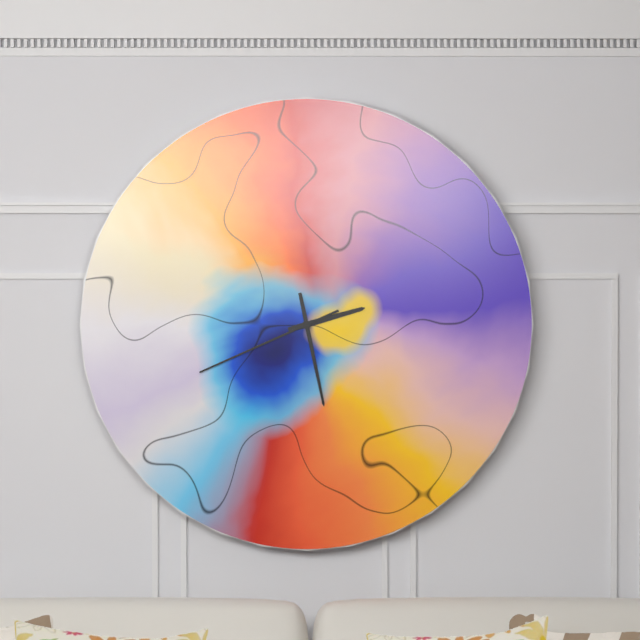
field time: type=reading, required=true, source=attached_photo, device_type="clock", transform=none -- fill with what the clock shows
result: 2:28:41
